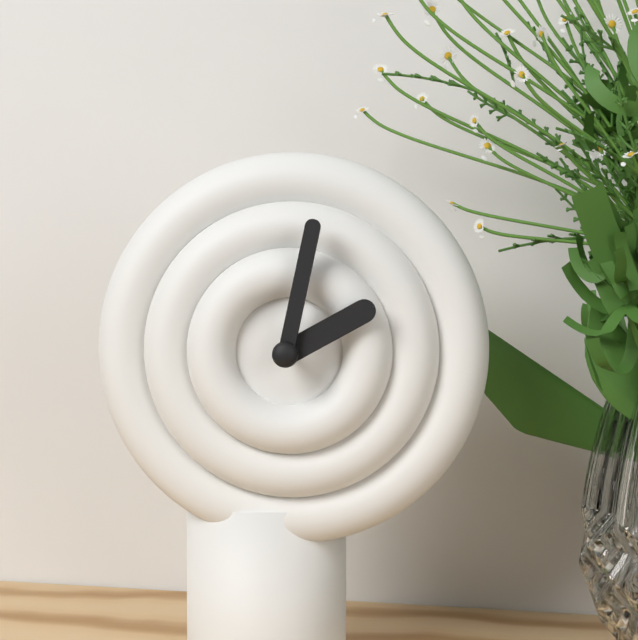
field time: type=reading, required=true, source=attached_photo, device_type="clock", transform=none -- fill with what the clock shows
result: 2:02
